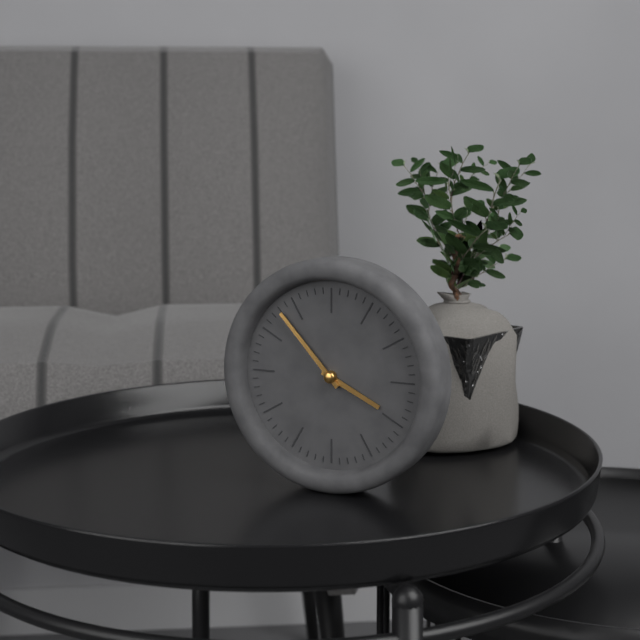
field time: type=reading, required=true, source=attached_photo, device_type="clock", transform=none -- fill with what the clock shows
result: 3:53
